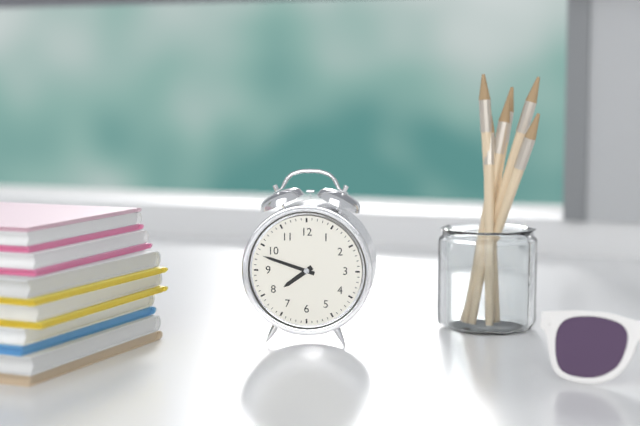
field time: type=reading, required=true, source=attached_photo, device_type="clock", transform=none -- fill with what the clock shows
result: 7:48
